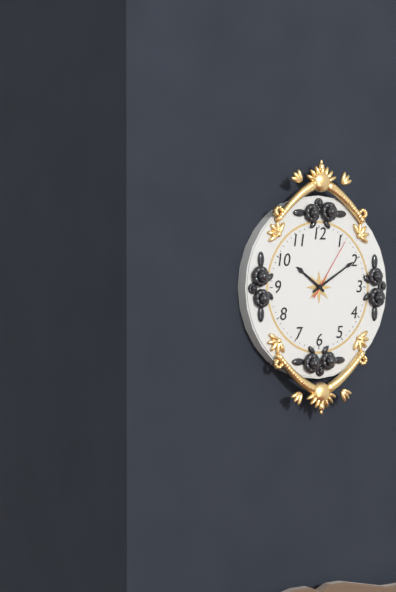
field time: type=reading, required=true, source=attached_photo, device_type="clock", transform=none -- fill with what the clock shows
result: 10:10:06
